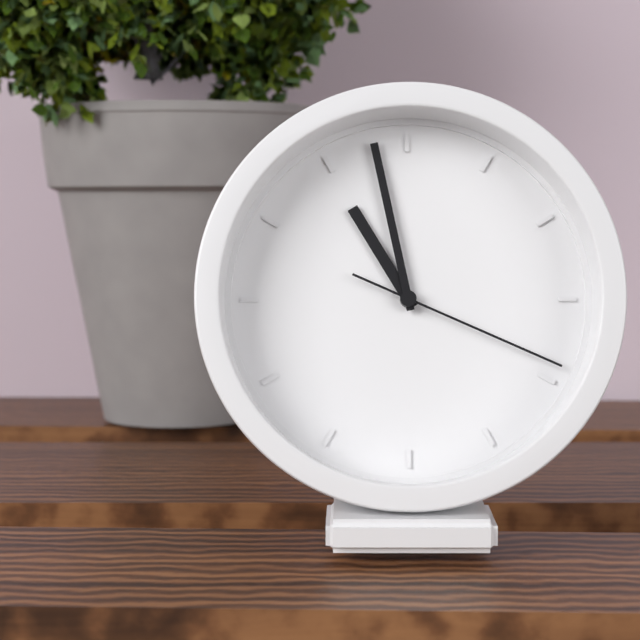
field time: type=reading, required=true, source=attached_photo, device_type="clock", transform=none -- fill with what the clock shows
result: 10:58:19
